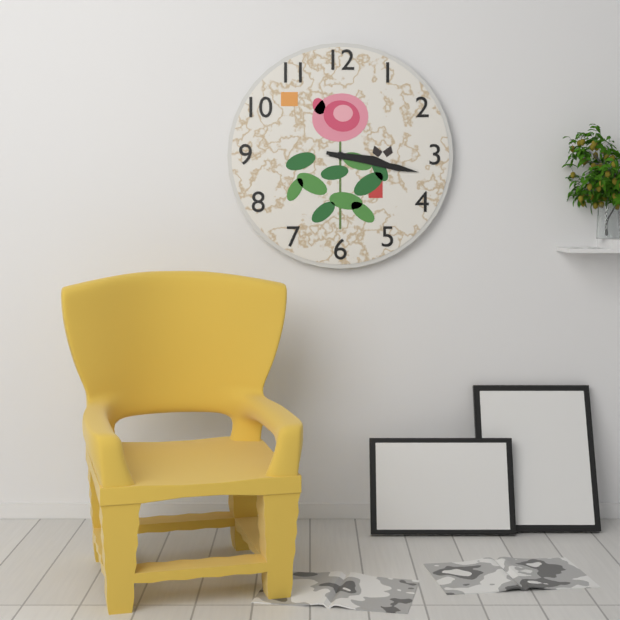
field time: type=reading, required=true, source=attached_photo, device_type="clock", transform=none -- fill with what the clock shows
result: 3:17
